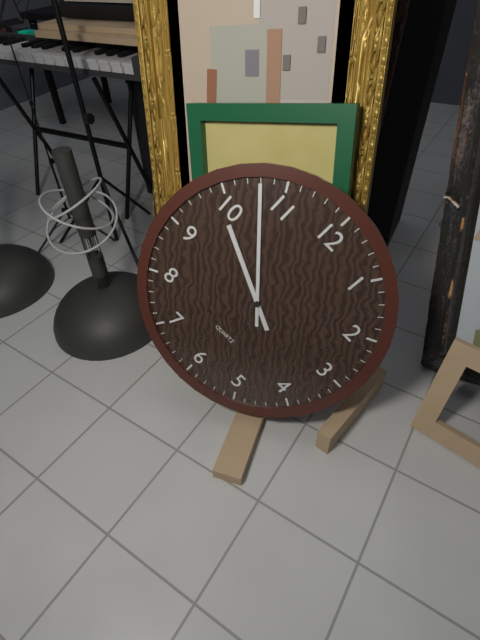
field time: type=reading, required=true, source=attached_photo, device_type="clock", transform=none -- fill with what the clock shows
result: 9:53
